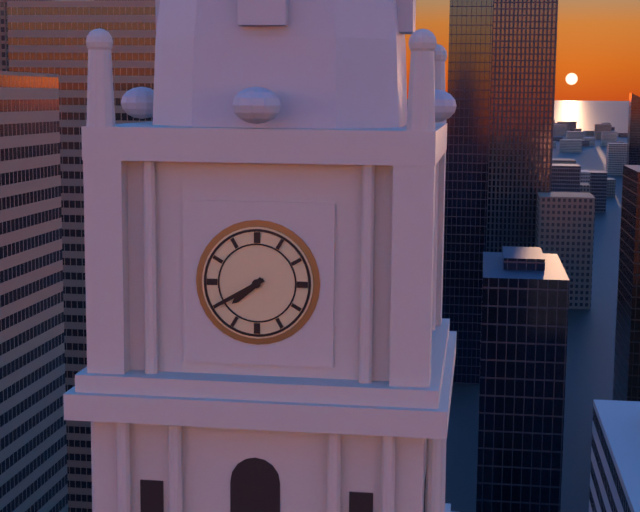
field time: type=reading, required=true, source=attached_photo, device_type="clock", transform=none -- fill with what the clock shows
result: 7:40
